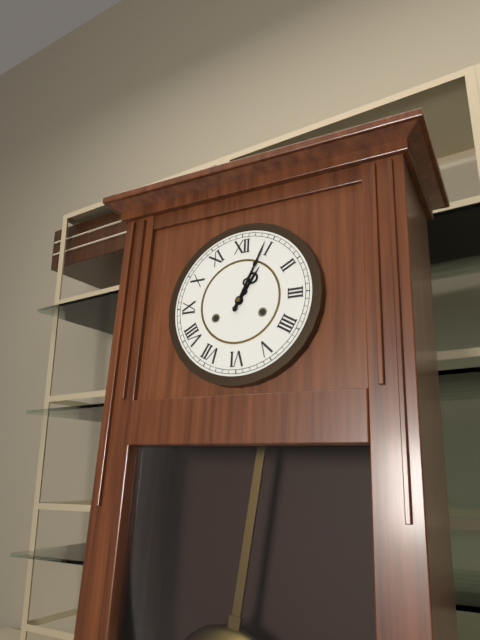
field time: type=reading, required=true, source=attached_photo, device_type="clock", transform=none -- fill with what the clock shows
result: 1:04
